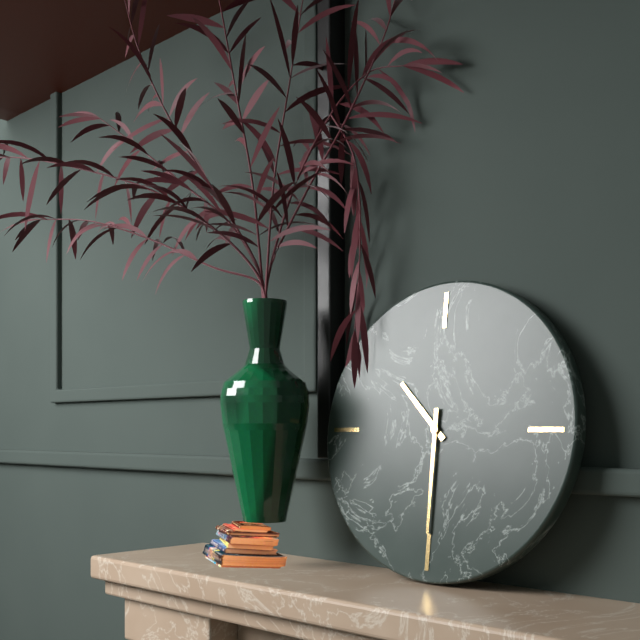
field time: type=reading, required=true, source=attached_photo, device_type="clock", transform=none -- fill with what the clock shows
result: 10:30
